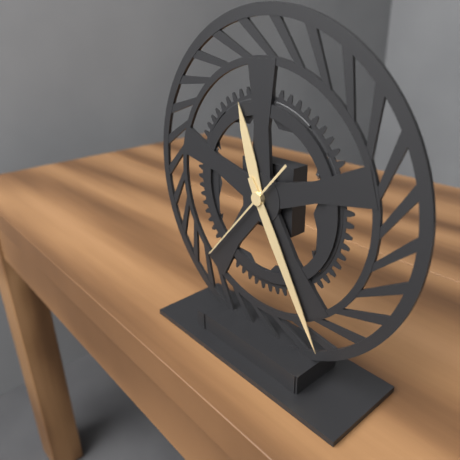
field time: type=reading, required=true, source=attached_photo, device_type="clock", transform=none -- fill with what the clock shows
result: 11:25:37
